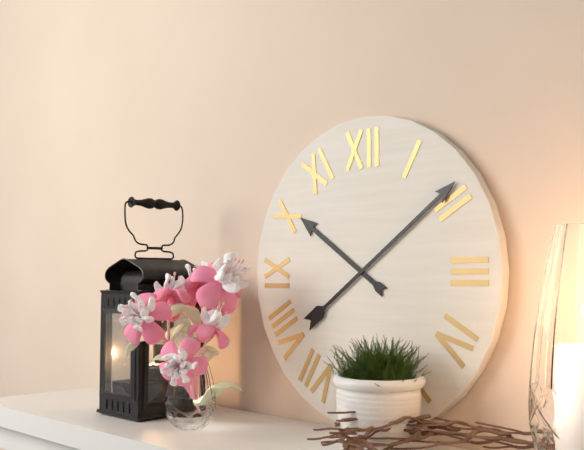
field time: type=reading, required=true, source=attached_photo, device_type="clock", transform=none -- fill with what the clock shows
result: 10:09
